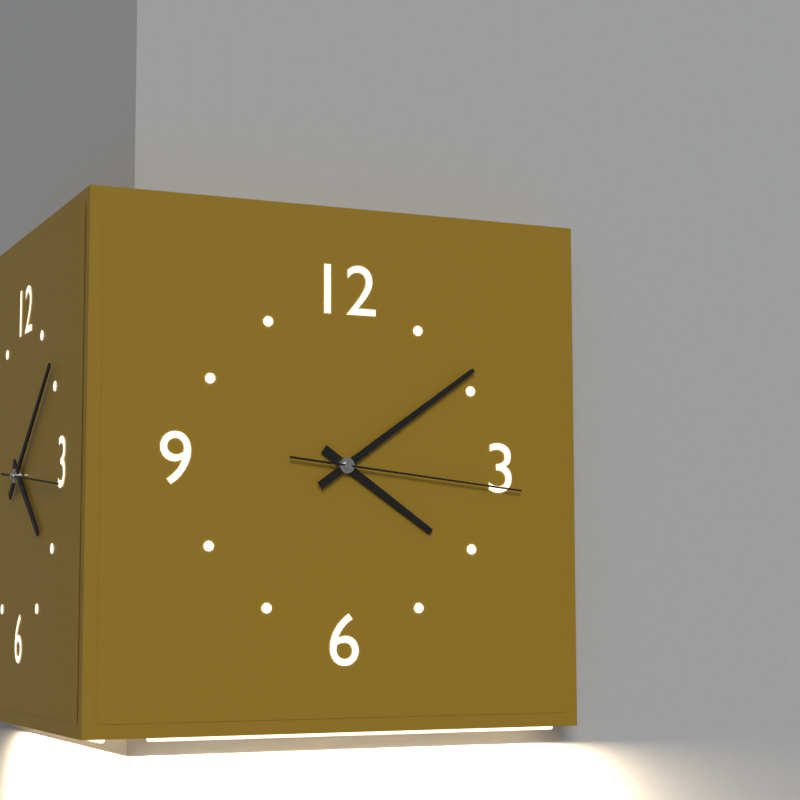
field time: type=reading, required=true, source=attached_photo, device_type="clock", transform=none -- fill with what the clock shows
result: 4:09:16
